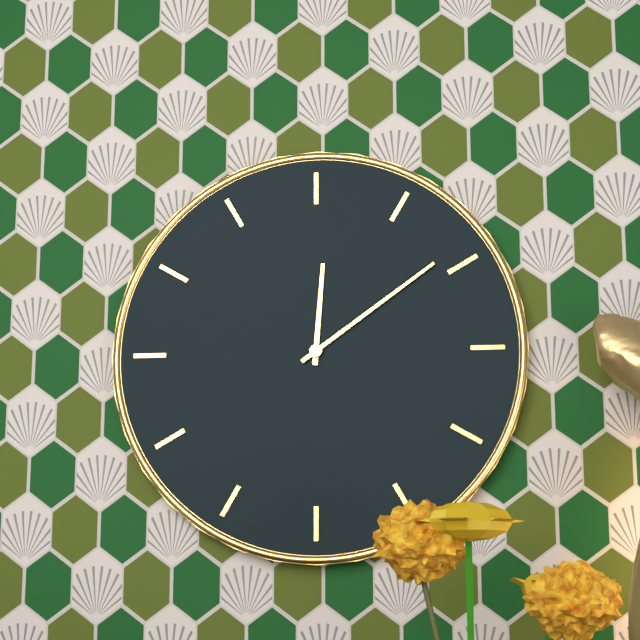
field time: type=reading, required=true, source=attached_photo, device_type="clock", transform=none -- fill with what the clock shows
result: 12:09
